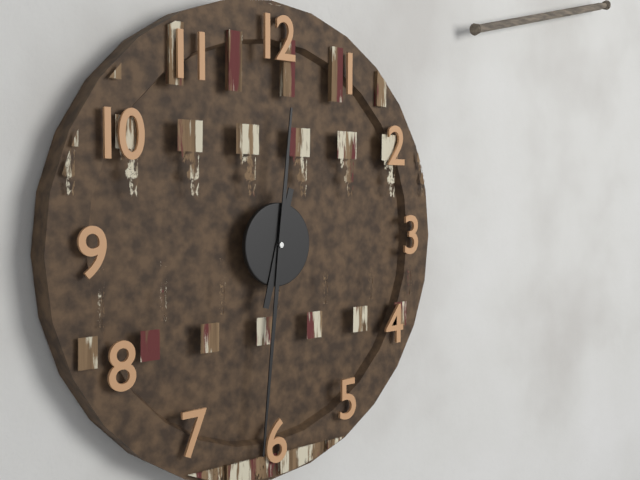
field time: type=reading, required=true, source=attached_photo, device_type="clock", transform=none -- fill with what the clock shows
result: 6:31
